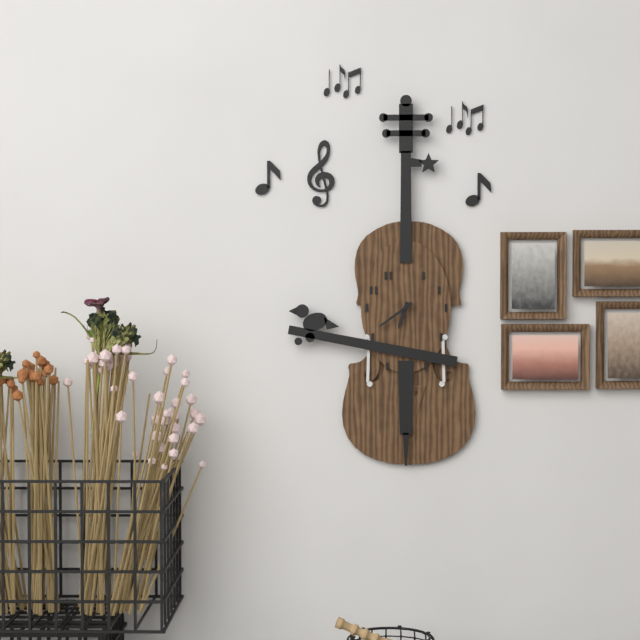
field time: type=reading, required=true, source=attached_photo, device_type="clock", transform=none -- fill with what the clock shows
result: 6:39
